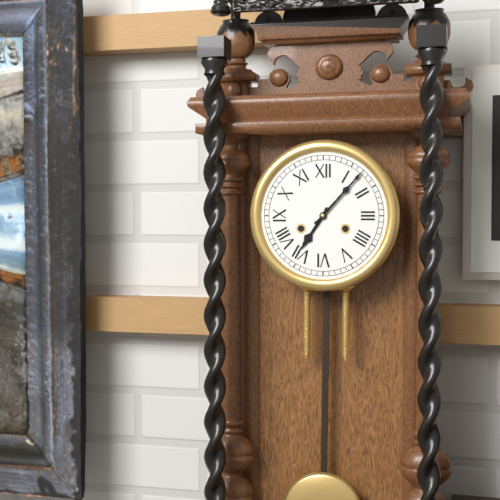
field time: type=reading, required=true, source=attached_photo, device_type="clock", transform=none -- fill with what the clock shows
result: 7:07
